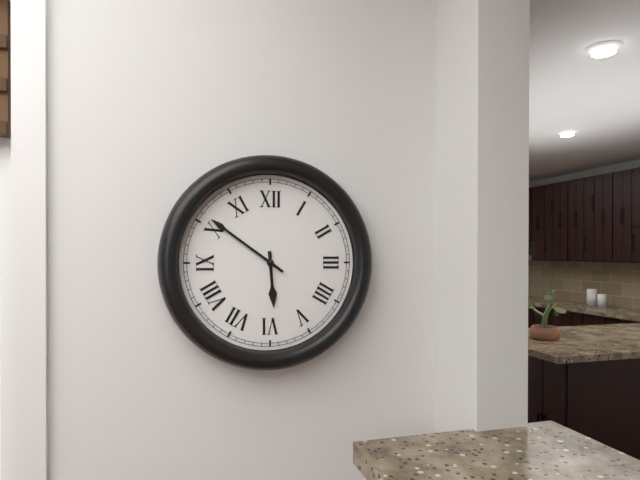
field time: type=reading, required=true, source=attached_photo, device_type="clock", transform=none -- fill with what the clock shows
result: 5:51
